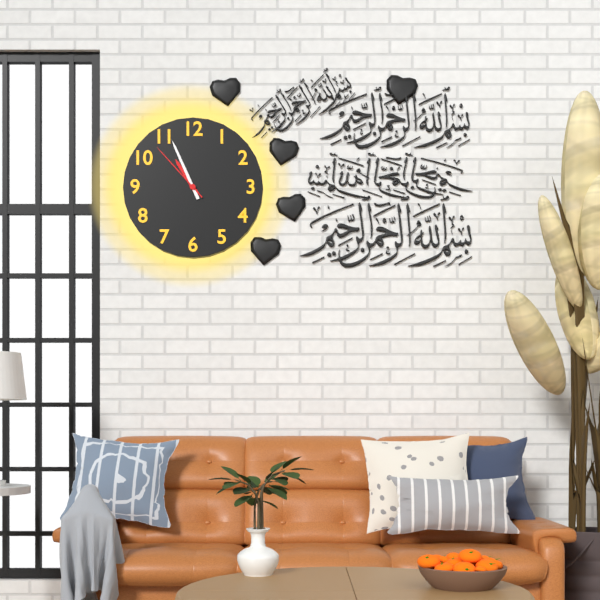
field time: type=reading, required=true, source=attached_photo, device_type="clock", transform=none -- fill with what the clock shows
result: 10:56:53
